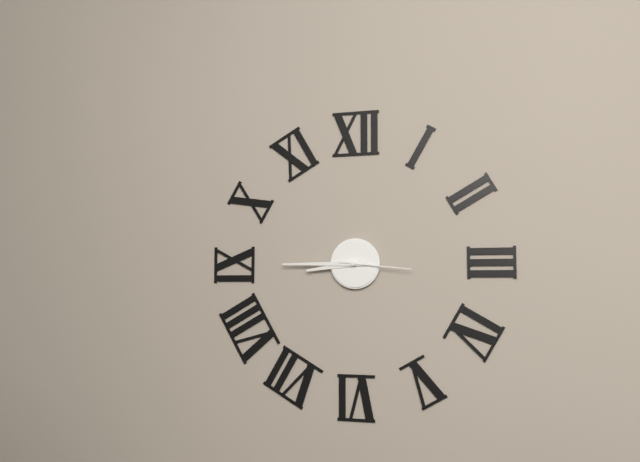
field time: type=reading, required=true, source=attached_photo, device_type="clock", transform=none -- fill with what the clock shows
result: 8:45:16
